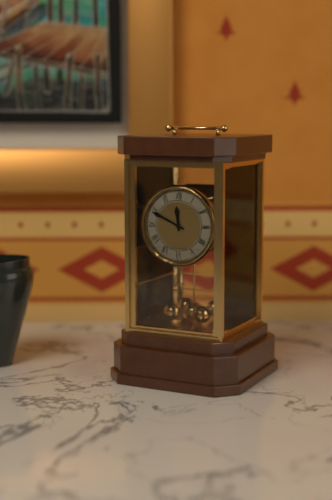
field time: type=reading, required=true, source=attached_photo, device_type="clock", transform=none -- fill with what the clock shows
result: 11:49
